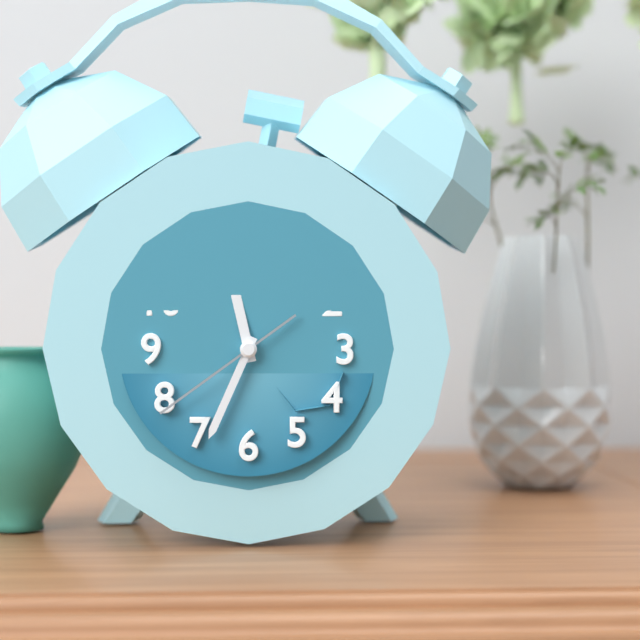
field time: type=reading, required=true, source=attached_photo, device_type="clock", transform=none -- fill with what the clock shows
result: 11:34:39
